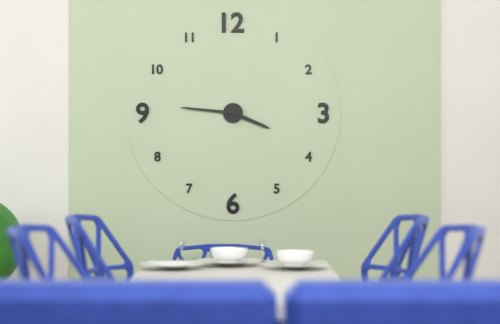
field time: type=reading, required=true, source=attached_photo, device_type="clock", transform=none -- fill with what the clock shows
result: 3:46
